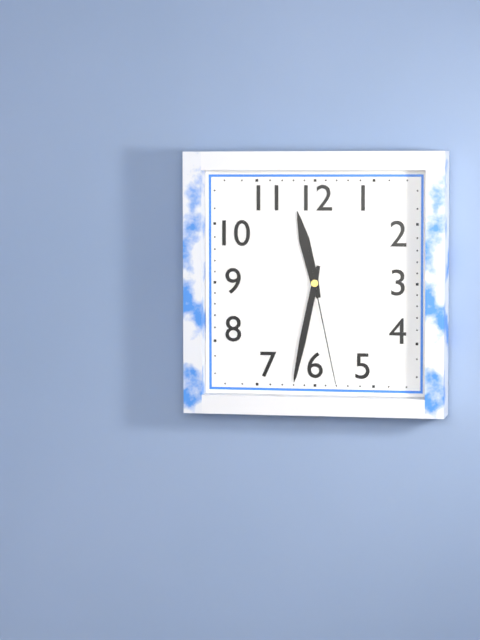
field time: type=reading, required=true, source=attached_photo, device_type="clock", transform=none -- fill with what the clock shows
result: 11:32:28
